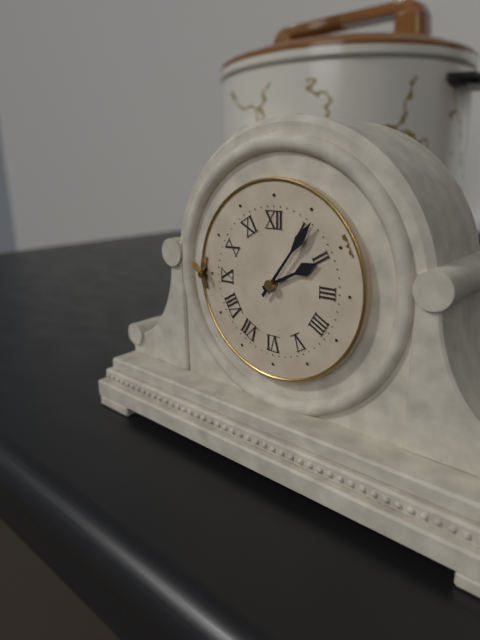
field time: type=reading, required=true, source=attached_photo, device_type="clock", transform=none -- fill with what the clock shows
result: 2:06
